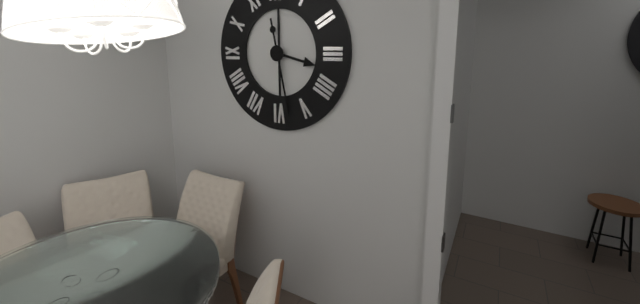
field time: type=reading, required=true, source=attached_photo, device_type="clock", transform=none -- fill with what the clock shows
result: 3:28
